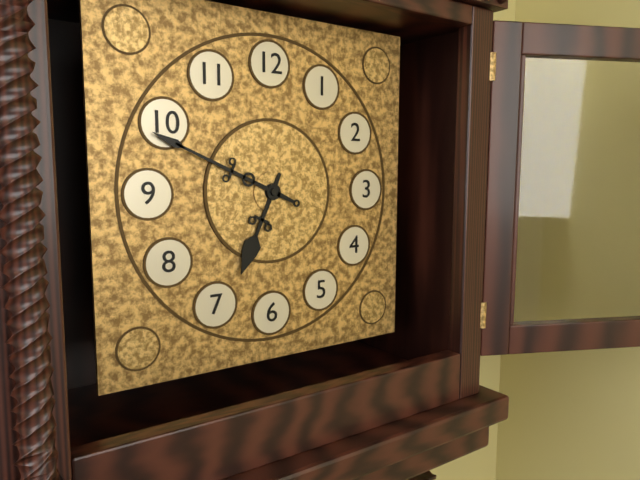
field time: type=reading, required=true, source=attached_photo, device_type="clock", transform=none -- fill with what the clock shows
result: 6:49
